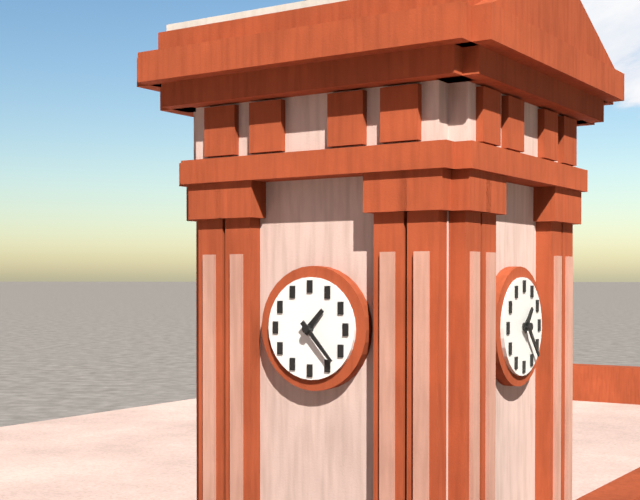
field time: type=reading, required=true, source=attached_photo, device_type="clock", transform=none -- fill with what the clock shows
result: 1:23
